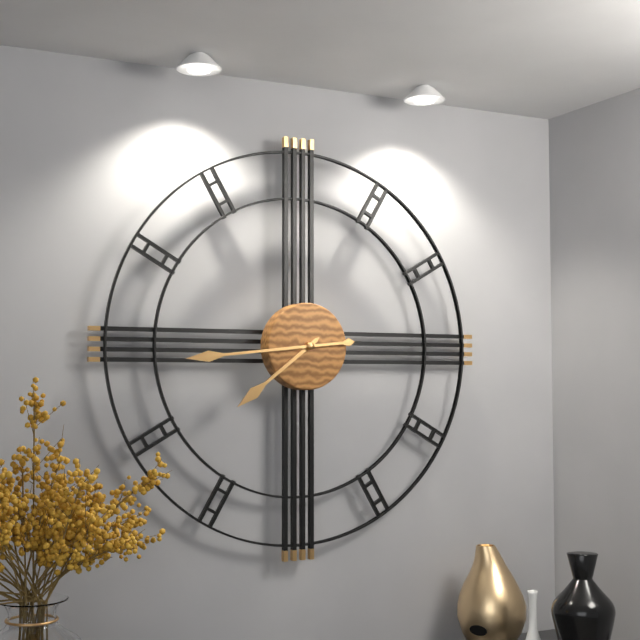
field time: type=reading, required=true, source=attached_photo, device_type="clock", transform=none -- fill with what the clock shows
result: 7:44
